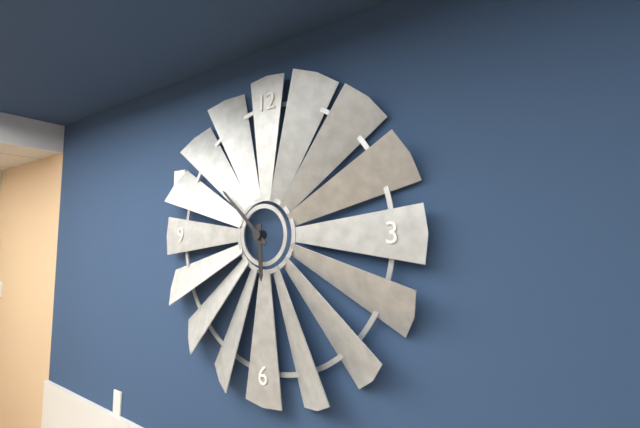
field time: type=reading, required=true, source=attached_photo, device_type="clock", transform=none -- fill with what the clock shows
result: 5:52
